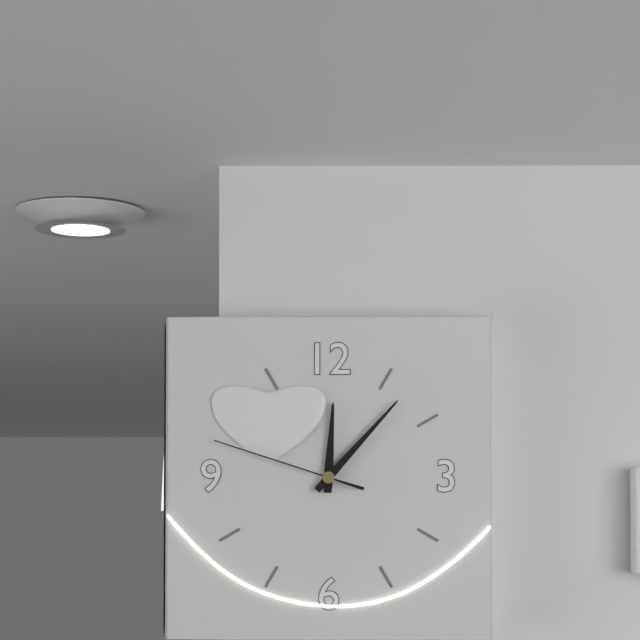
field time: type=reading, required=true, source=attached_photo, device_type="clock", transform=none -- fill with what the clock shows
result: 12:07:48
